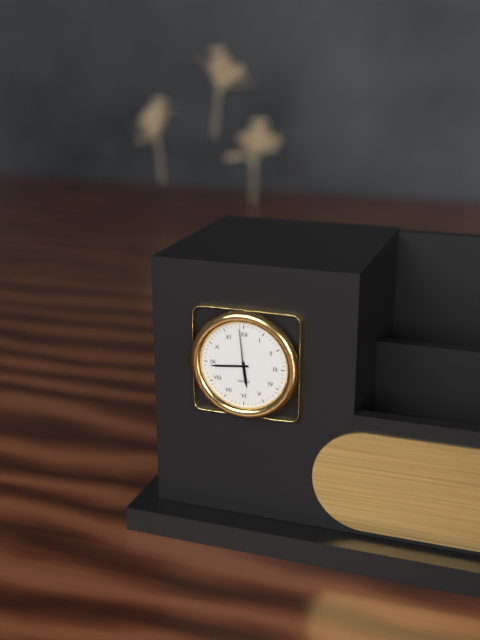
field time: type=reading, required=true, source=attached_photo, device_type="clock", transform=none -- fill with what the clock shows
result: 5:44
